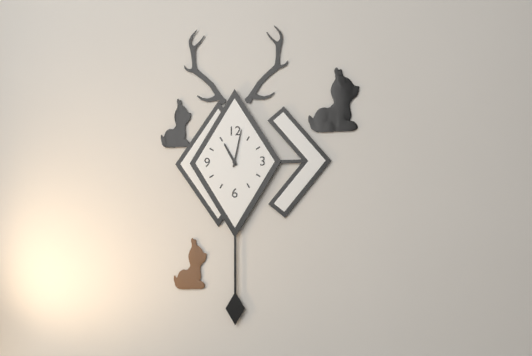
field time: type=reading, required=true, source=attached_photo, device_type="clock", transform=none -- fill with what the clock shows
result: 11:02
